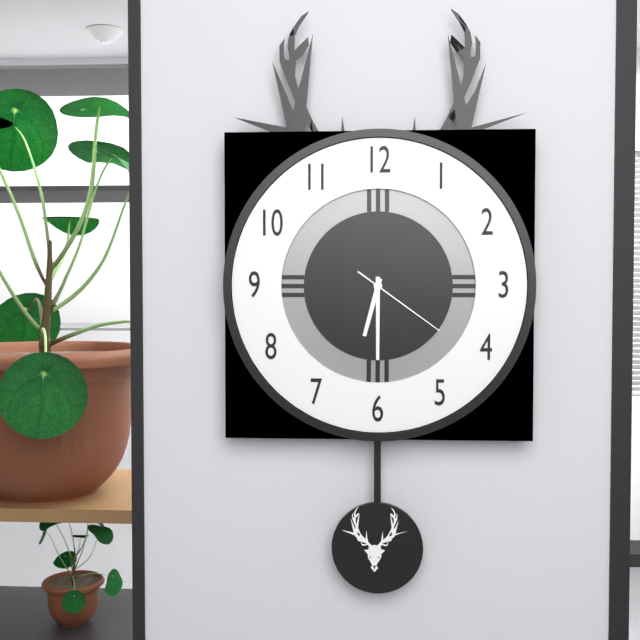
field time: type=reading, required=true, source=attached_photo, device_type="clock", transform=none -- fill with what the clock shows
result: 6:30:21
